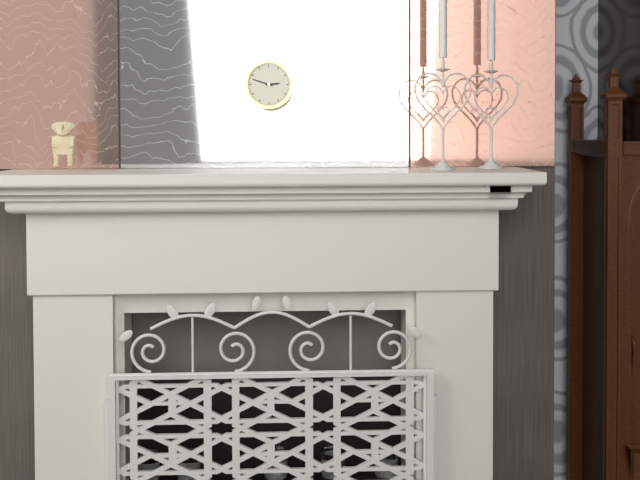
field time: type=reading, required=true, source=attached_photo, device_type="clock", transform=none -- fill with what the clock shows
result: 2:48
